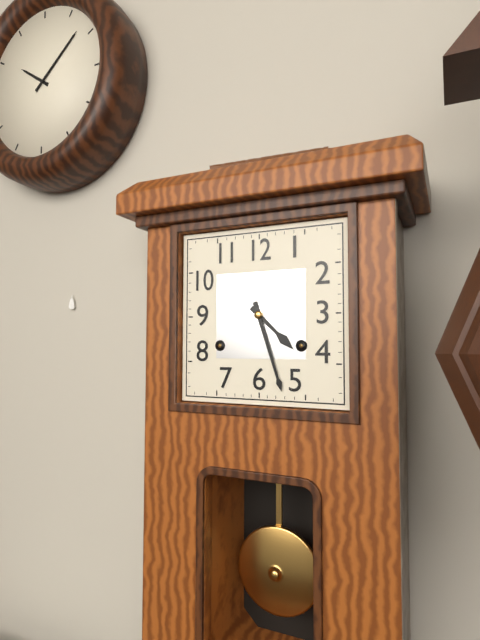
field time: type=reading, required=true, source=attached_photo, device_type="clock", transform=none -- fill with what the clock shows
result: 4:27
